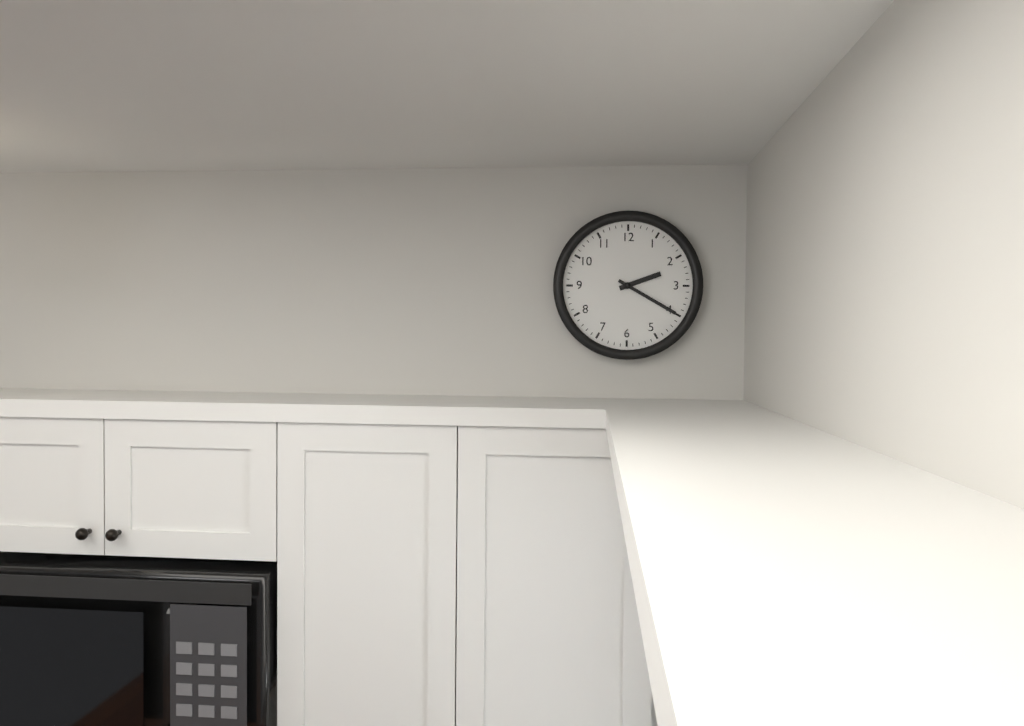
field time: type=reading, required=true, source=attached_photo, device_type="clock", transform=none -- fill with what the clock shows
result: 2:20
